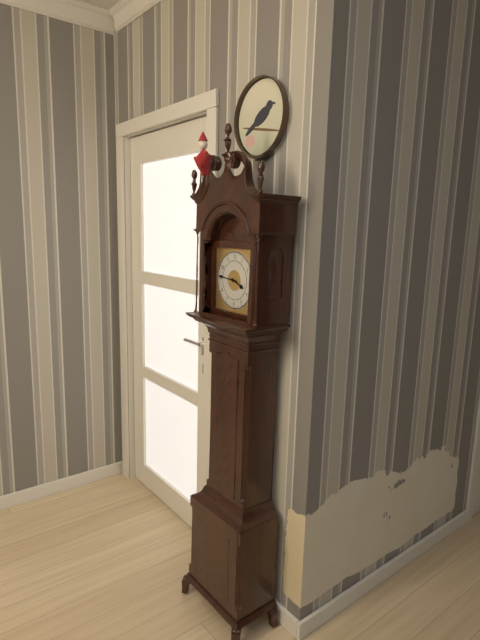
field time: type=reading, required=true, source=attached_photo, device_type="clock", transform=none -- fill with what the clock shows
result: 3:46
